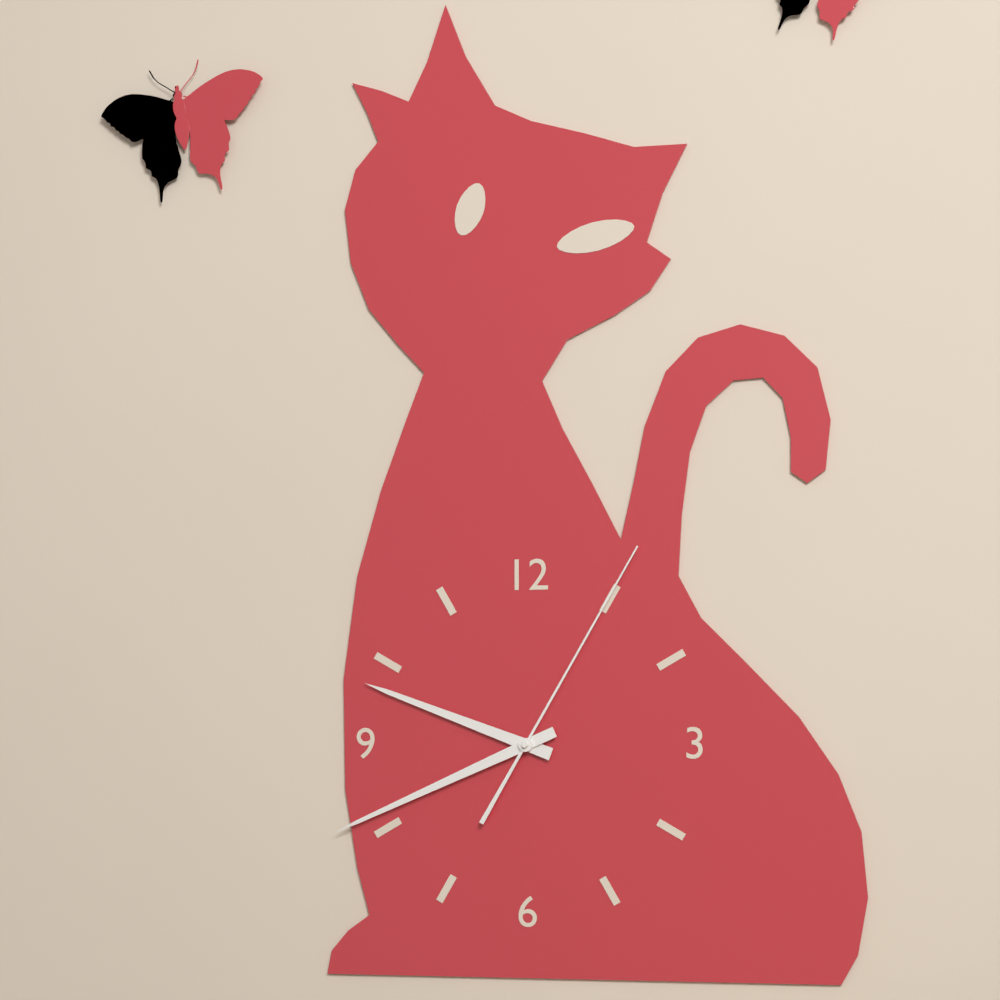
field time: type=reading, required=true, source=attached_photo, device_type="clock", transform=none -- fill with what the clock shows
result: 9:41:05
